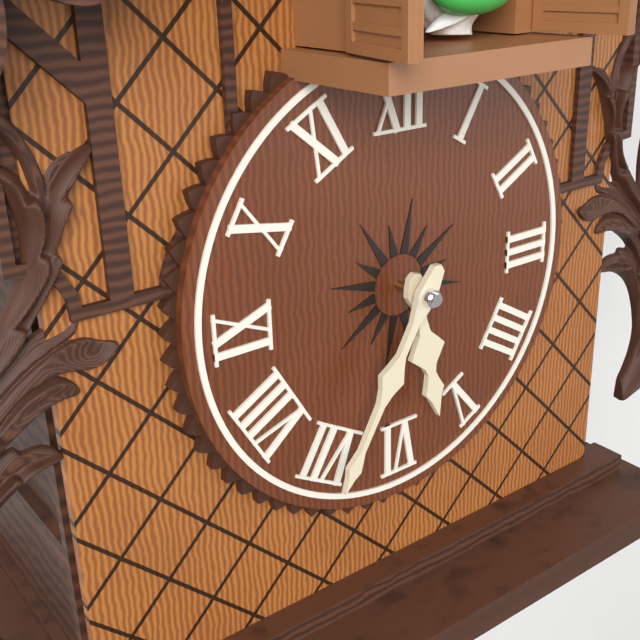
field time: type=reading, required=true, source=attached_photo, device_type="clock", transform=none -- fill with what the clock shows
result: 5:35
